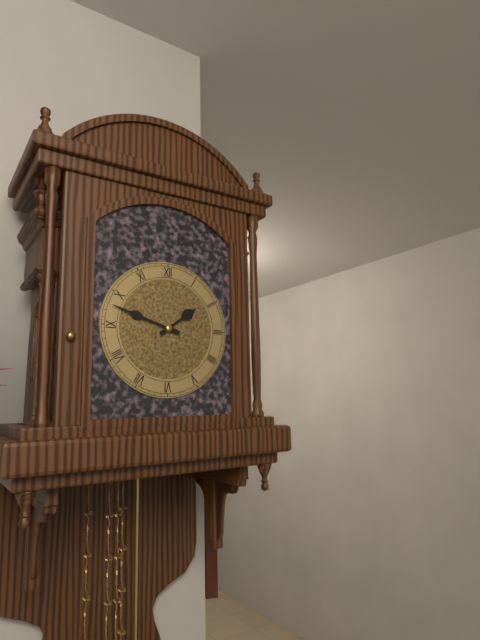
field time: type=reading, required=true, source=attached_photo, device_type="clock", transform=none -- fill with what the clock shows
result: 1:48
